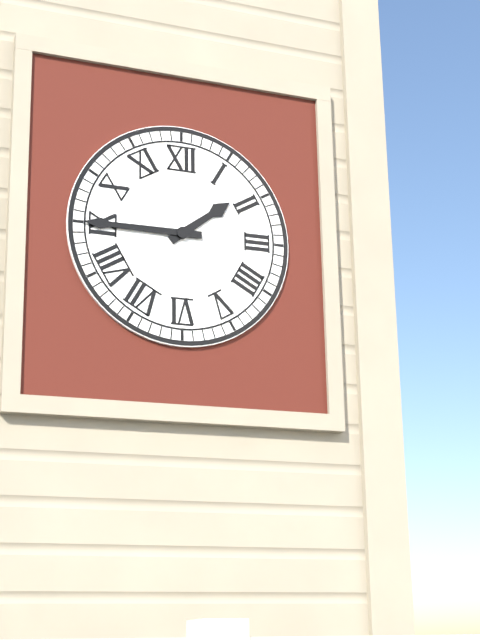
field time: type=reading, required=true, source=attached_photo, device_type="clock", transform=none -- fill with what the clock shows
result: 1:45
